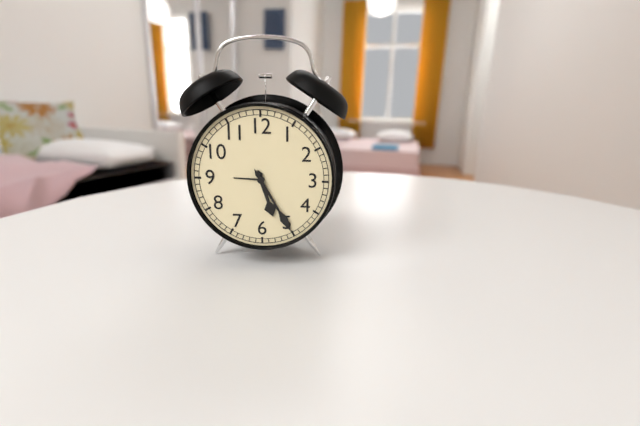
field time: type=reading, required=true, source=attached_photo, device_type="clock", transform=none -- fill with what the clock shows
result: 5:25
